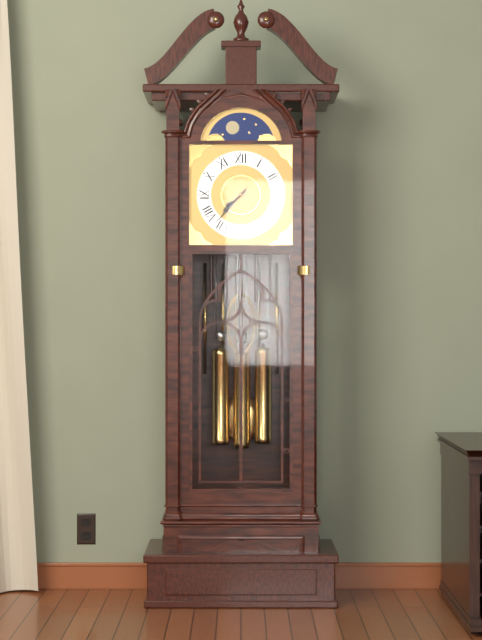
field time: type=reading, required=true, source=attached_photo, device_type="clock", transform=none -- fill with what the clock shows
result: 7:37
